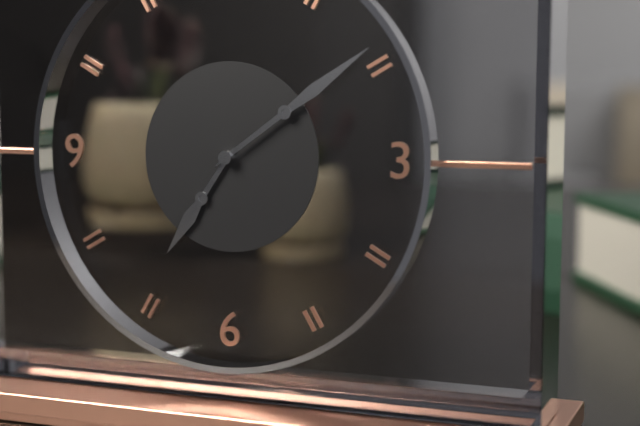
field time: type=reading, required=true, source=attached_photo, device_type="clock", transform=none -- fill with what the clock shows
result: 7:09
